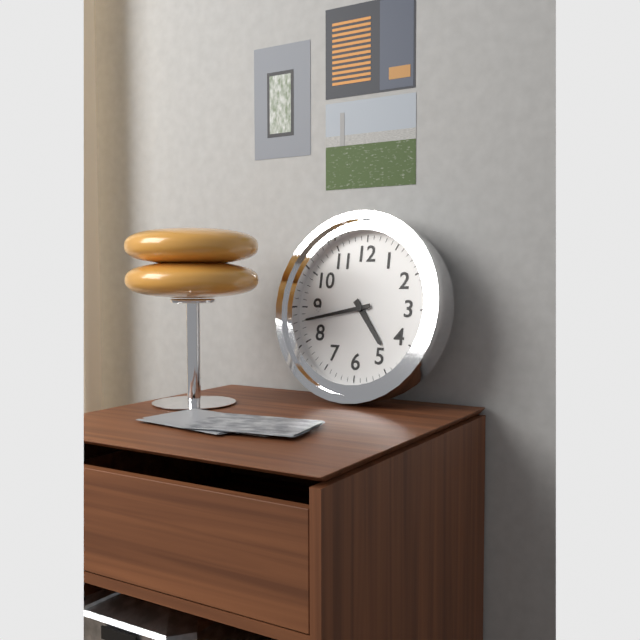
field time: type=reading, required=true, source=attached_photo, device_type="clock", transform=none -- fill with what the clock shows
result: 4:43
